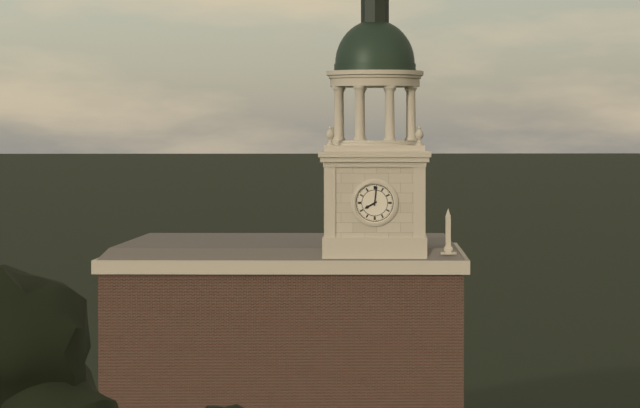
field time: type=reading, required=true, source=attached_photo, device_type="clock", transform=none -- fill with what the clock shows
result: 8:01
